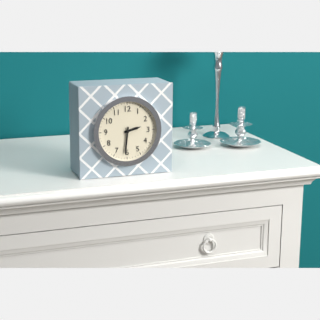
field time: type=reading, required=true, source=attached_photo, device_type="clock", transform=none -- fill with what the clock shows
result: 2:31
